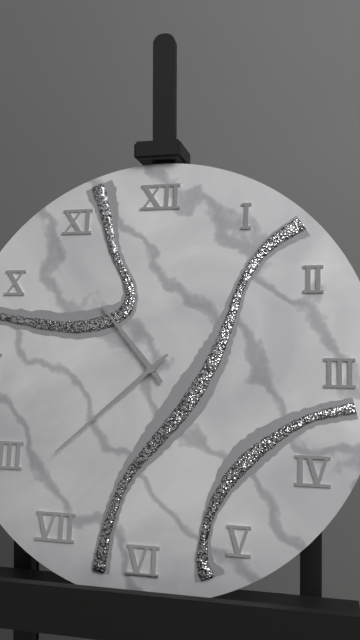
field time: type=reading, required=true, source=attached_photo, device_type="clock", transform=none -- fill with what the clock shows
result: 10:38
